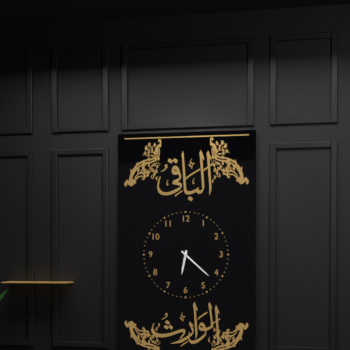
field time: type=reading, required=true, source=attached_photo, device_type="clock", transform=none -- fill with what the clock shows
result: 6:22
